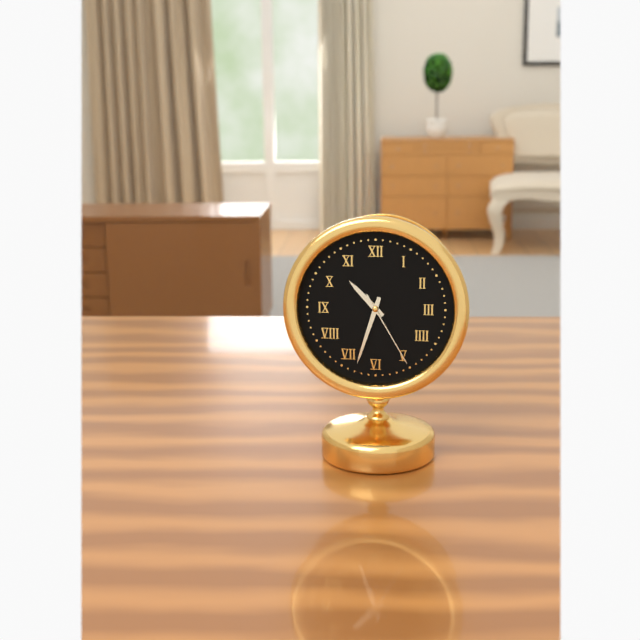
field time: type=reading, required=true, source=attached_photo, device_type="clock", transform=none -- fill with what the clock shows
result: 10:33:25
